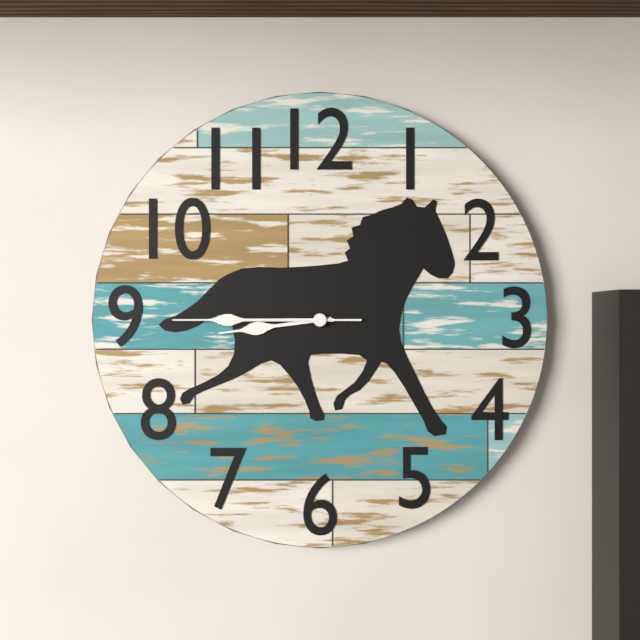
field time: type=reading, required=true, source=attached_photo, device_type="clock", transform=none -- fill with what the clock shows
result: 8:45:45
